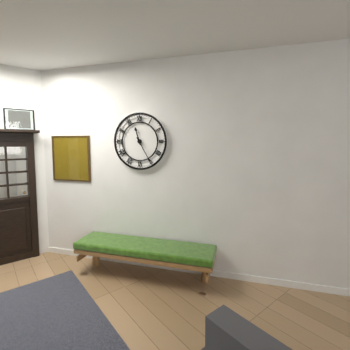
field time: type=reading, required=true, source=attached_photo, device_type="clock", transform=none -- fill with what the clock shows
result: 11:25
